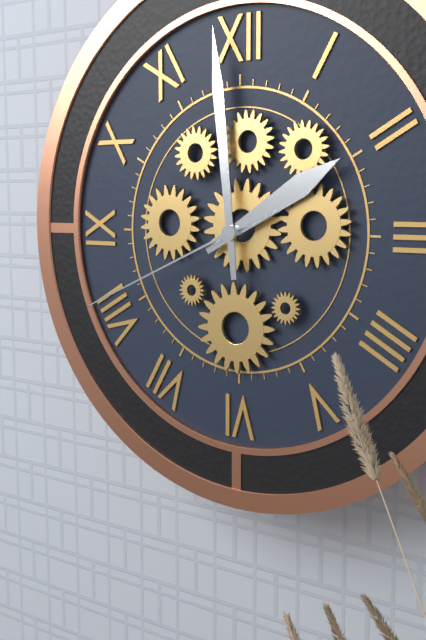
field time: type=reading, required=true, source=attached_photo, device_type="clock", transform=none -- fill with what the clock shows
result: 1:59:41
